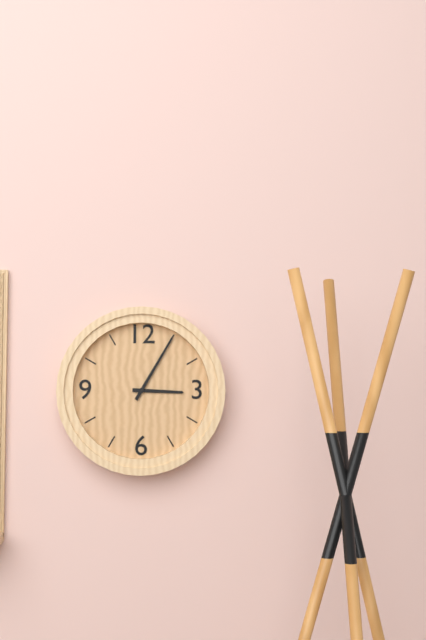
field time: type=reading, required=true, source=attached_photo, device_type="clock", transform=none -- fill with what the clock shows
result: 3:05
